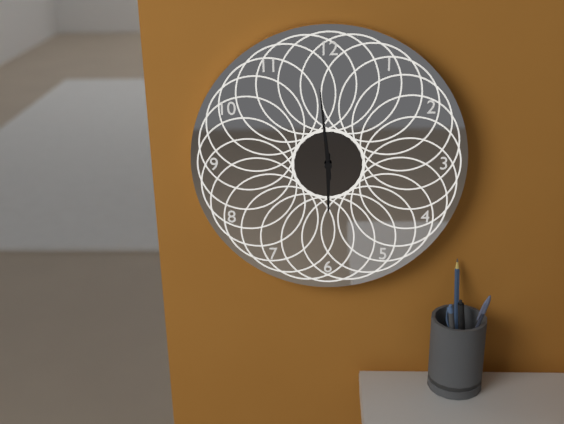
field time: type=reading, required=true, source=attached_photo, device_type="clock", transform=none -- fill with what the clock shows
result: 5:59
